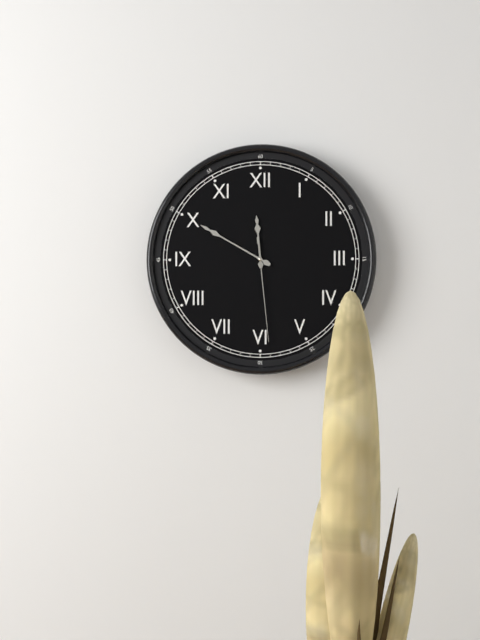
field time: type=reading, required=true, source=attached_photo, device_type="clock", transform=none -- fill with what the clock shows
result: 11:50:29
